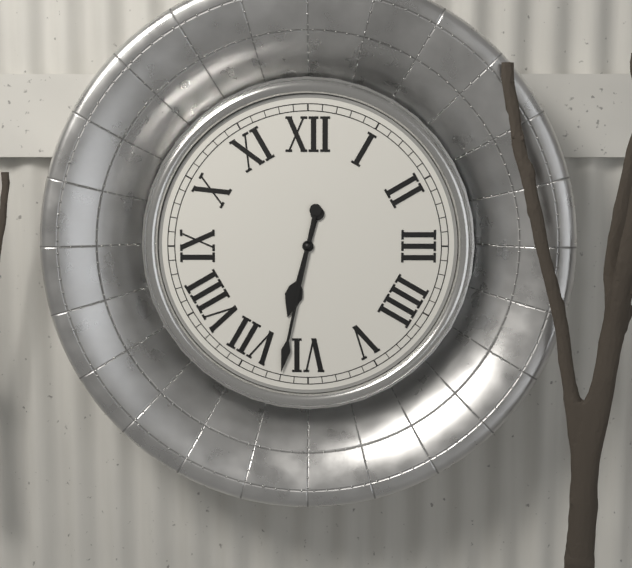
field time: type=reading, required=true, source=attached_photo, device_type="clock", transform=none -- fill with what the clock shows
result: 6:32
